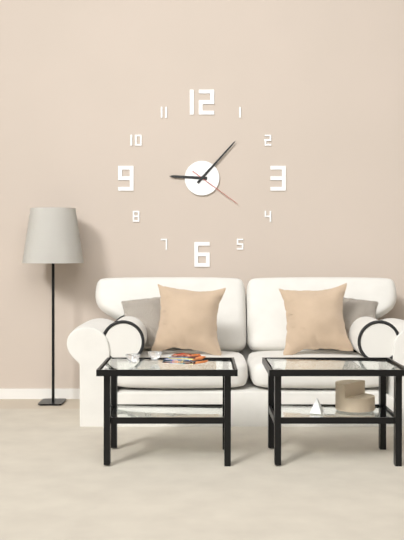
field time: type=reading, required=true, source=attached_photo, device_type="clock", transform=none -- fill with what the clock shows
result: 9:07:21
